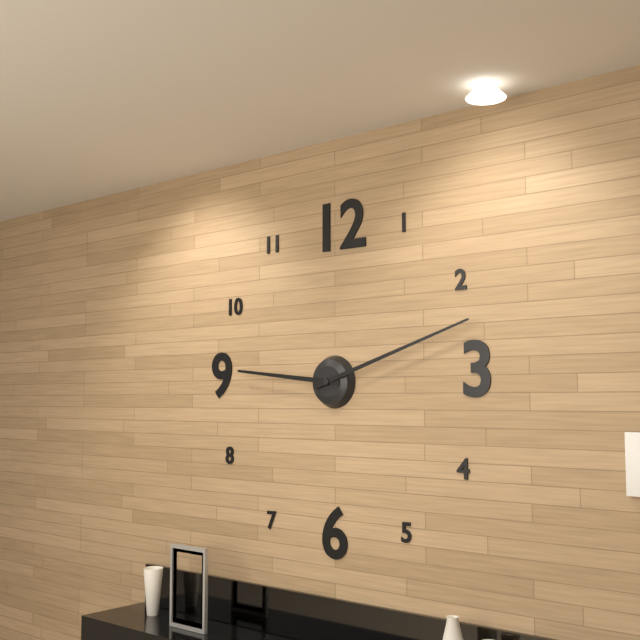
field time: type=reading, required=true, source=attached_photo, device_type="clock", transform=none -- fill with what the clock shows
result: 9:12
